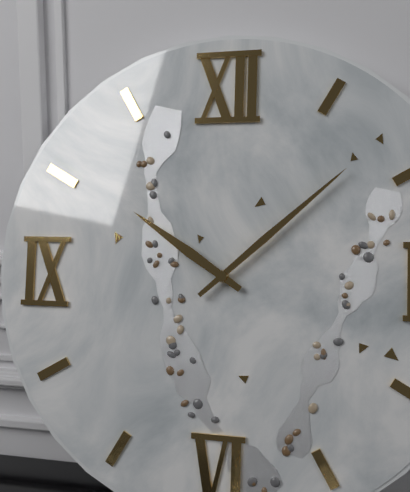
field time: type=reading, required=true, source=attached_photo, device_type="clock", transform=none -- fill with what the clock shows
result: 10:08
